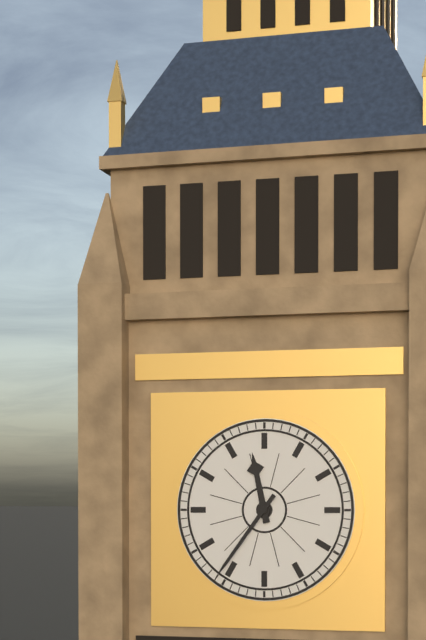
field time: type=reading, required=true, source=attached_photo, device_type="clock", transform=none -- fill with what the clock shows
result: 11:36
